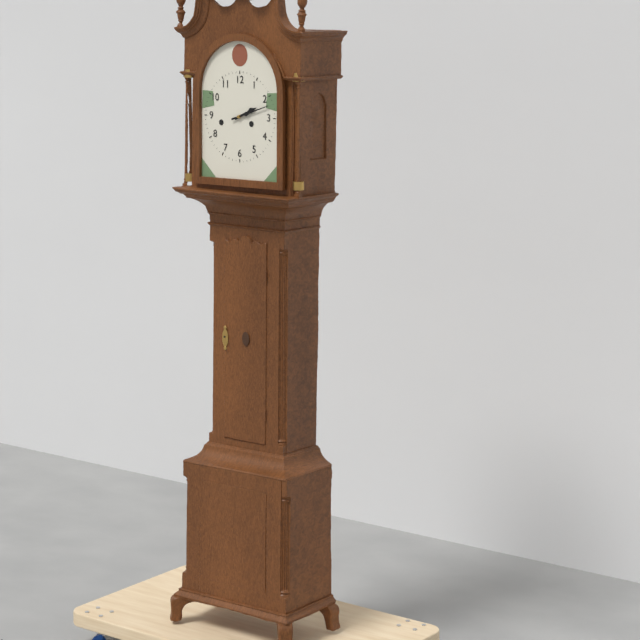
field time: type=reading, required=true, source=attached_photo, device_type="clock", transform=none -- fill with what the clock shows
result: 2:12
